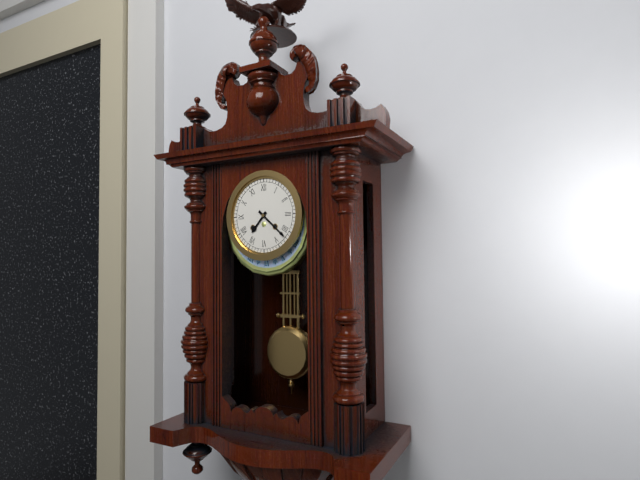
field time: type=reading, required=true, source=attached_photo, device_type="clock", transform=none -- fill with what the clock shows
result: 7:22
